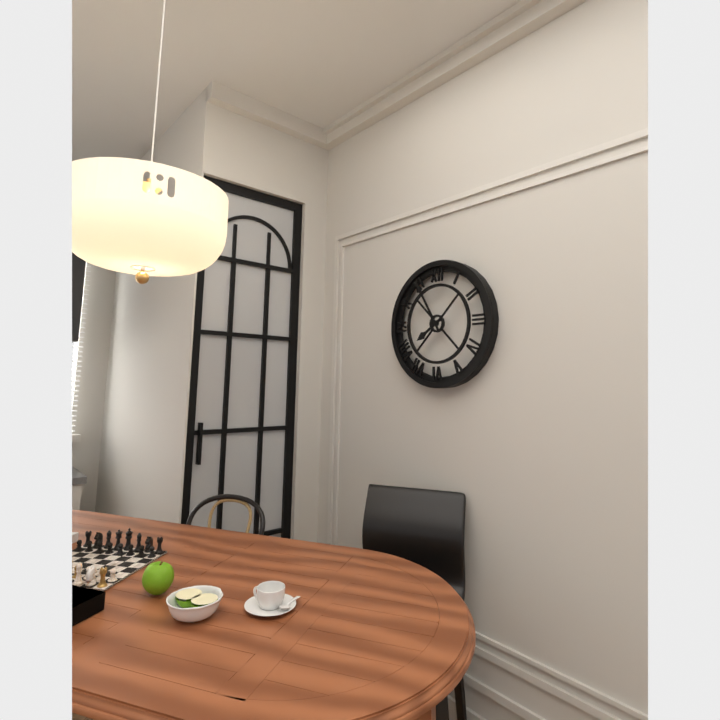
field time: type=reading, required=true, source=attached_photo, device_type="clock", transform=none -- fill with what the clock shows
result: 7:55
